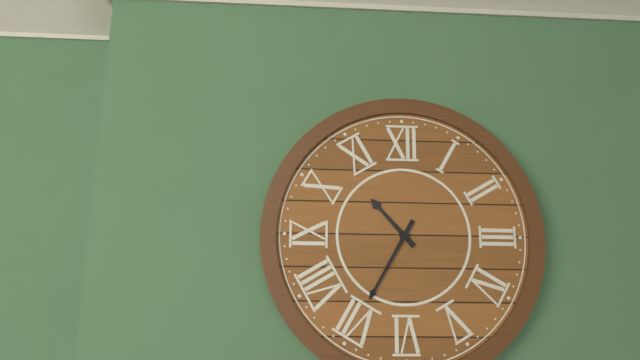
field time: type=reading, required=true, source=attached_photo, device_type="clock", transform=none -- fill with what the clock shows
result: 10:35
